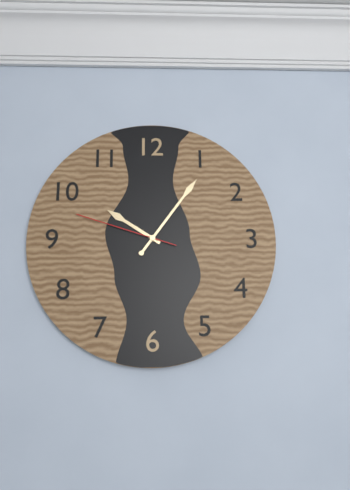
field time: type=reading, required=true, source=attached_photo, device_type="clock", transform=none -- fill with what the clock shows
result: 10:06:48
